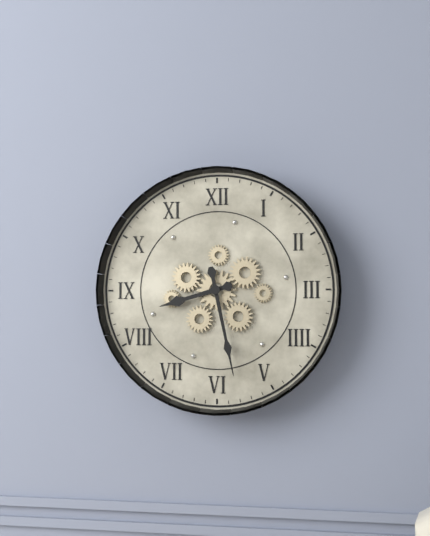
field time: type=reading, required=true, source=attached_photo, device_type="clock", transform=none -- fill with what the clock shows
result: 8:28
